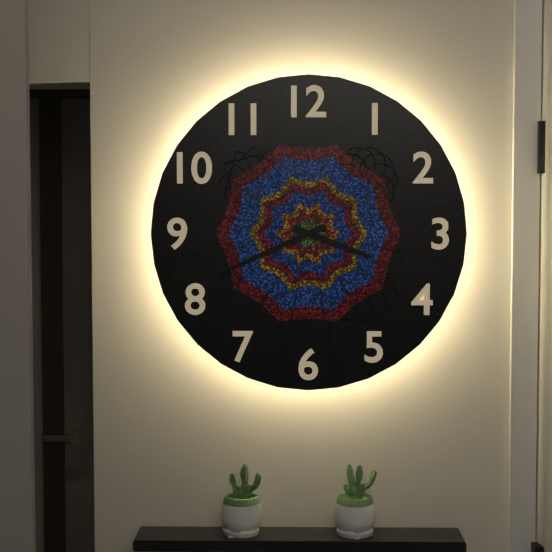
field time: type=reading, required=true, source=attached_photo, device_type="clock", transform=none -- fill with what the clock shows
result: 3:41
